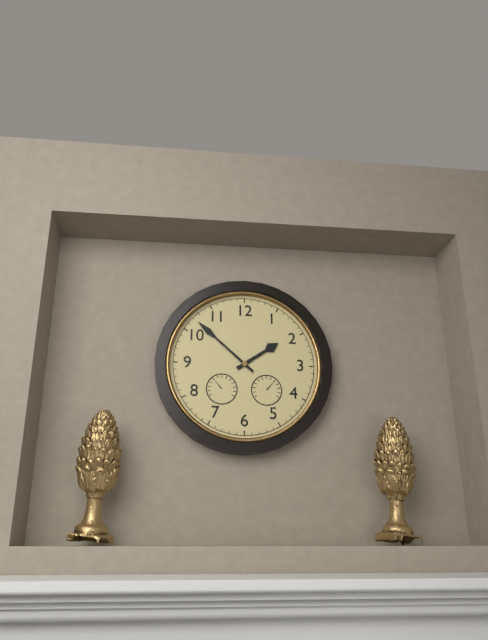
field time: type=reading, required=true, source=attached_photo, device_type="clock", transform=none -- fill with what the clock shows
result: 1:52
